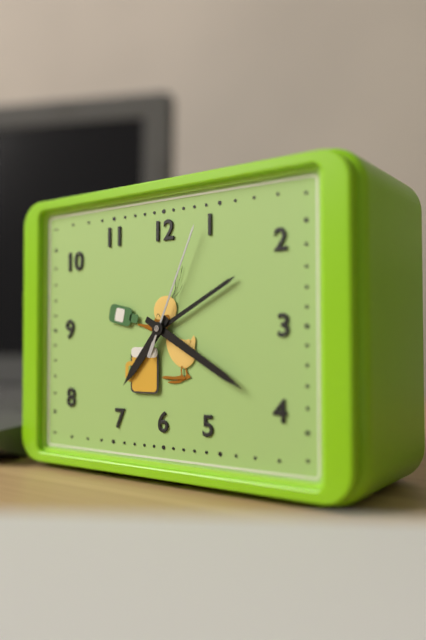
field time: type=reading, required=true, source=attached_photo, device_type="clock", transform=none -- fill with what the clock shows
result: 7:20:04
